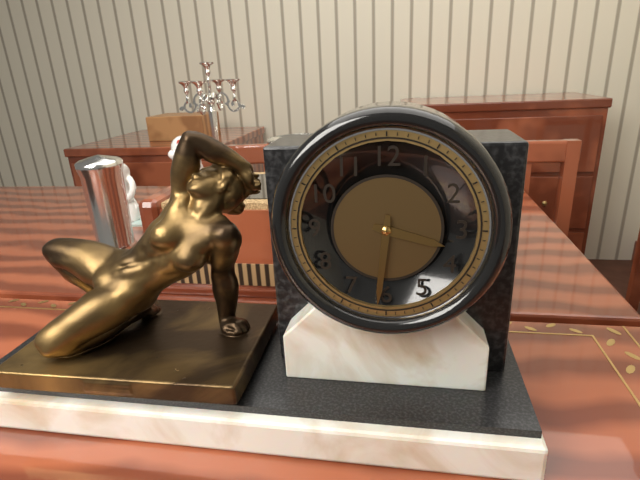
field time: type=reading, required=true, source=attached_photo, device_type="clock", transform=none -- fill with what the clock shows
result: 3:31
